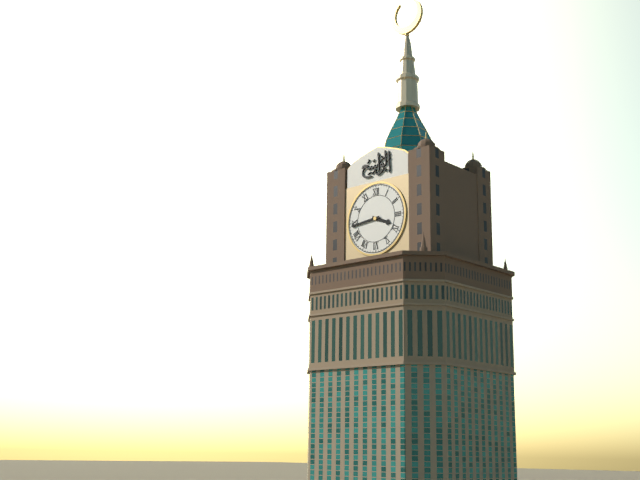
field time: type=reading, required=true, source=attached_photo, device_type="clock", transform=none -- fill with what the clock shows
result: 3:44
